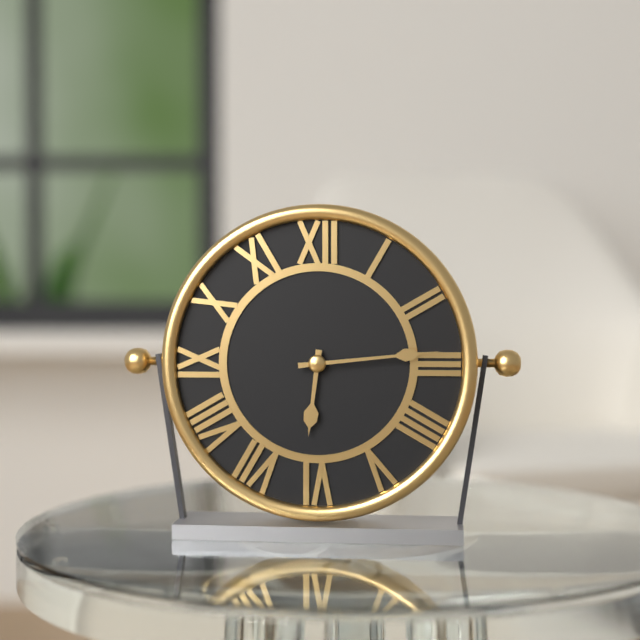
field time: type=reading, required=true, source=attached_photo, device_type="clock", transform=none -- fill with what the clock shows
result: 6:14
